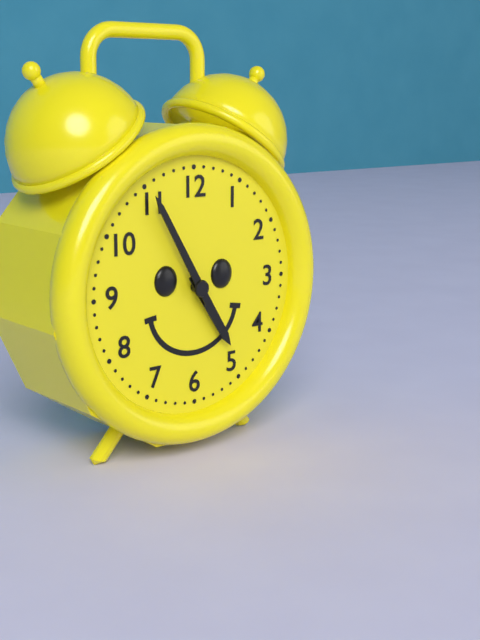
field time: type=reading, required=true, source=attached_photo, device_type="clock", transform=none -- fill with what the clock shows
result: 4:55
